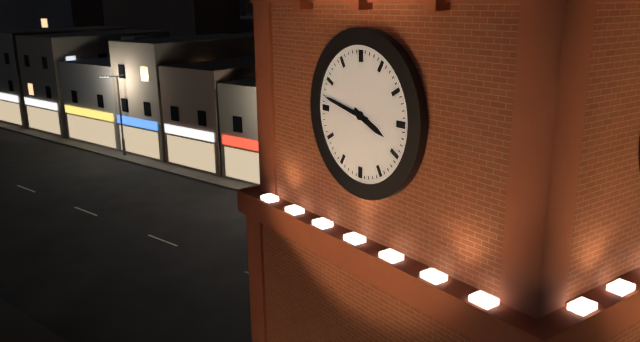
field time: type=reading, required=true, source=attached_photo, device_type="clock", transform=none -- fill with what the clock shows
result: 3:47
